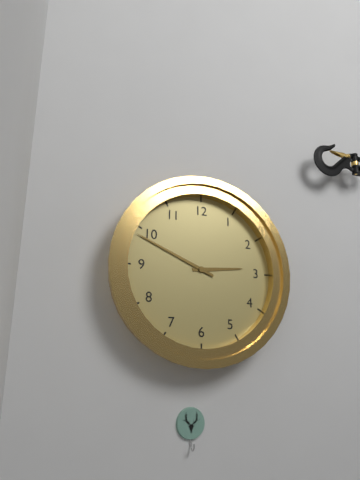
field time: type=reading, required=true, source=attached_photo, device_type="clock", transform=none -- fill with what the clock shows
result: 2:49
